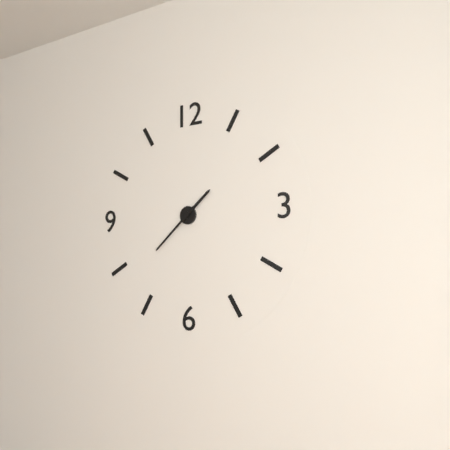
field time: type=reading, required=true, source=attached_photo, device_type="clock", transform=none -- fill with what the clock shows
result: 1:38
